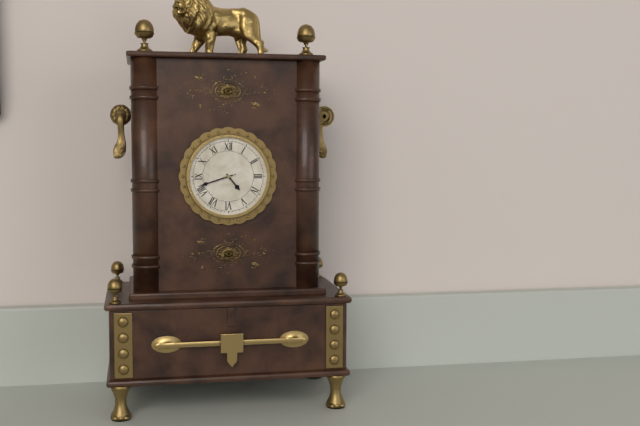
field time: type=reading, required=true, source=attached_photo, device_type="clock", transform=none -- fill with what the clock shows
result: 4:42
